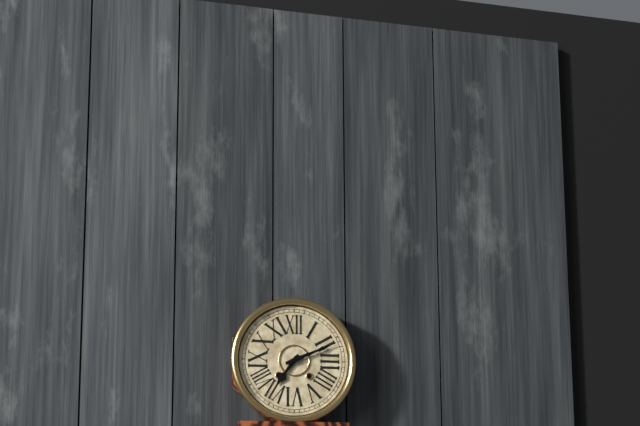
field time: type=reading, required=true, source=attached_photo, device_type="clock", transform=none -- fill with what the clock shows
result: 7:11
